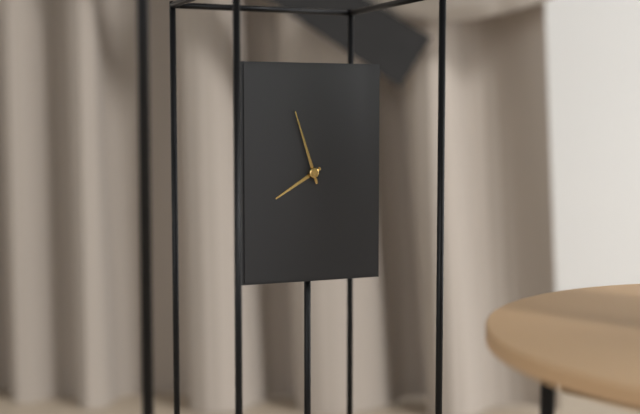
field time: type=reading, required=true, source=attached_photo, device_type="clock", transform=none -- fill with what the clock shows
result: 7:57
